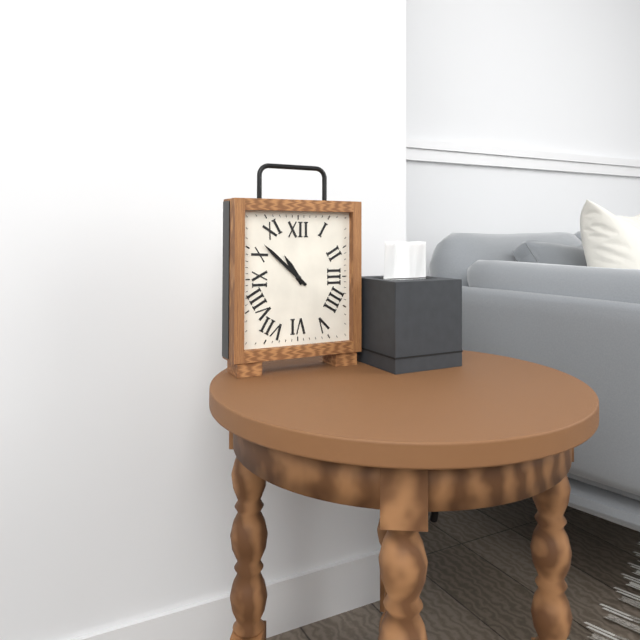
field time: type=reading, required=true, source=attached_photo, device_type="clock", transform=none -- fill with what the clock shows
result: 10:52
